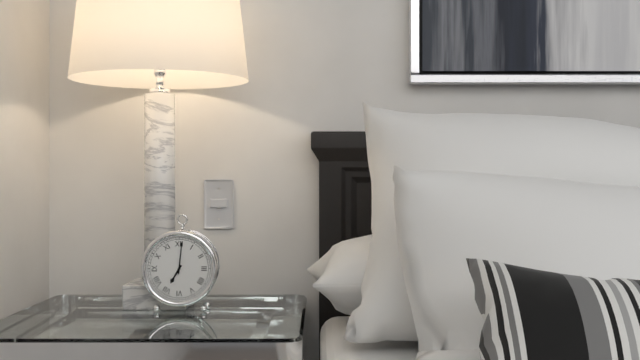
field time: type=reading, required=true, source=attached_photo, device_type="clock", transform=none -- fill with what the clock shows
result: 7:01
